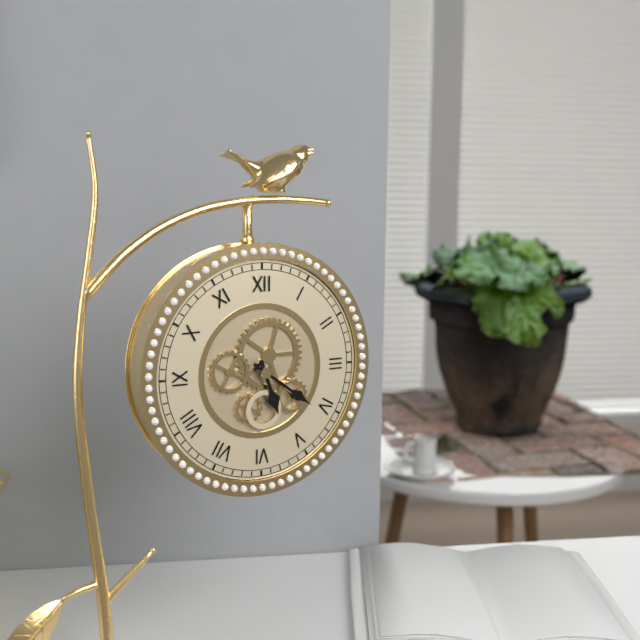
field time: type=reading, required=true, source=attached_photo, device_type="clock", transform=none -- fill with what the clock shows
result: 5:21
